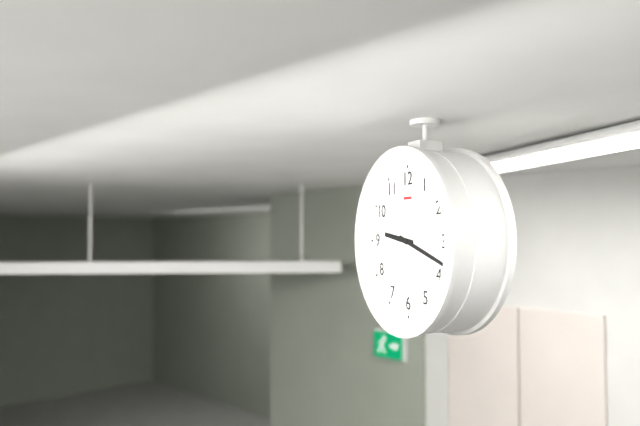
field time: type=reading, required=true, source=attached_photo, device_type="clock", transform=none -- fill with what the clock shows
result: 9:18
